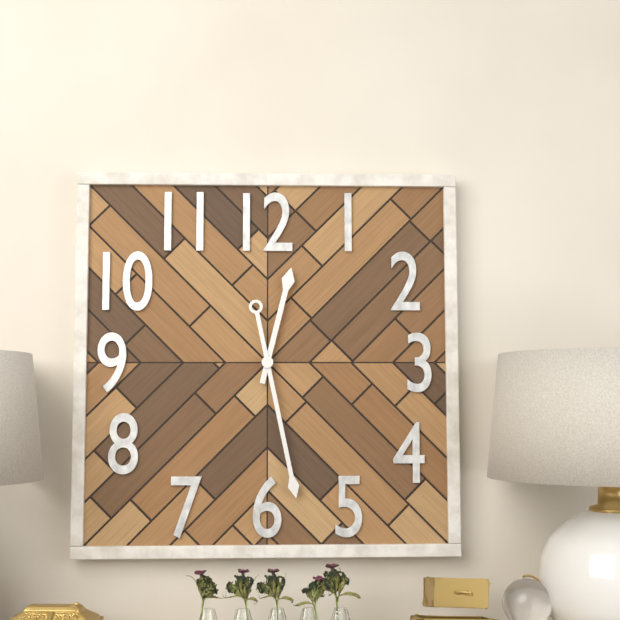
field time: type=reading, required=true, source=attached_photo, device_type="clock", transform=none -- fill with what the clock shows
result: 12:28
